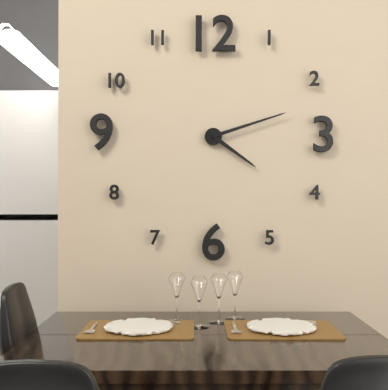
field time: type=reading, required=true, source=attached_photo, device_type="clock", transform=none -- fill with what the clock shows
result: 4:12
